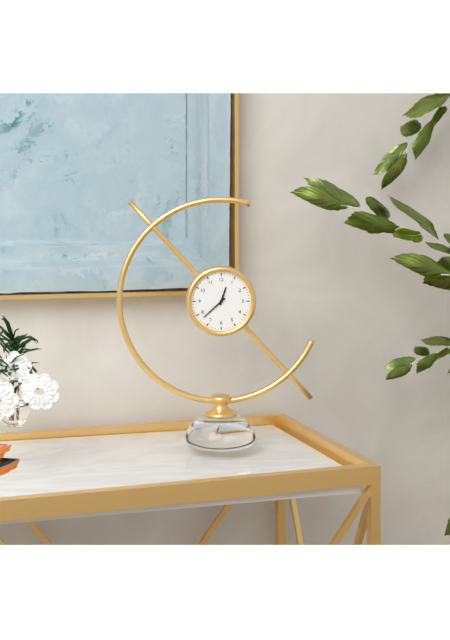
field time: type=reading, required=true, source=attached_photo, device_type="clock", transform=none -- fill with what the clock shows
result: 12:38
